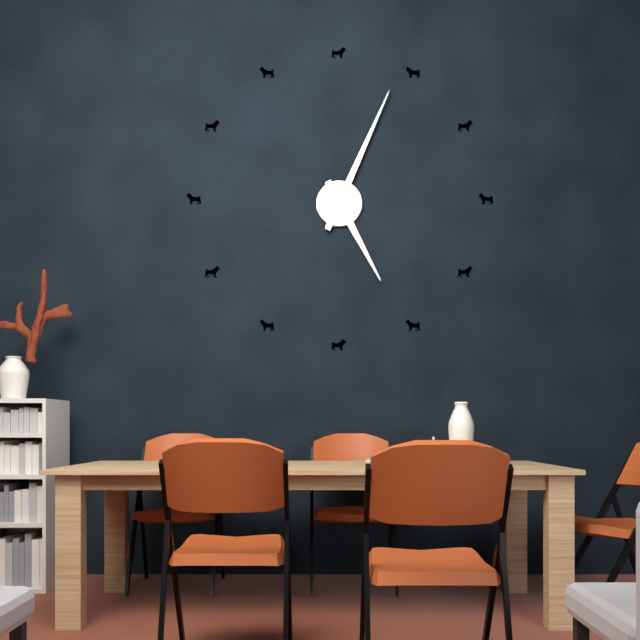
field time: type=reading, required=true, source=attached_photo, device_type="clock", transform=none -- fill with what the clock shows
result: 5:04
